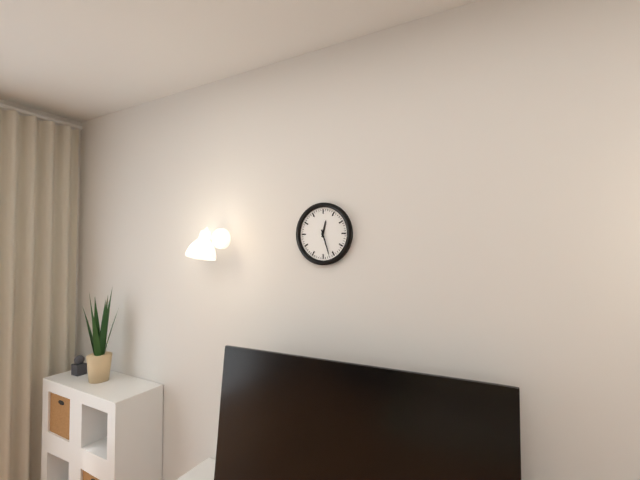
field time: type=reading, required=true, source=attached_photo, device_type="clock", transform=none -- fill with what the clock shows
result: 12:27
